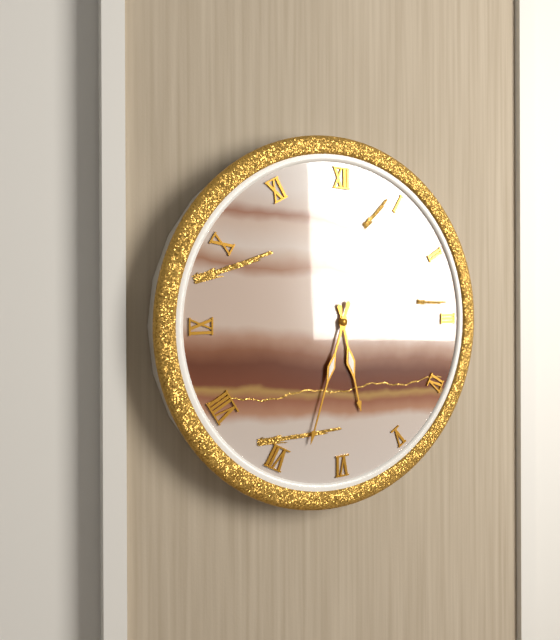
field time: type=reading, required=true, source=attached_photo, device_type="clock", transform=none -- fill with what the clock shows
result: 5:33
